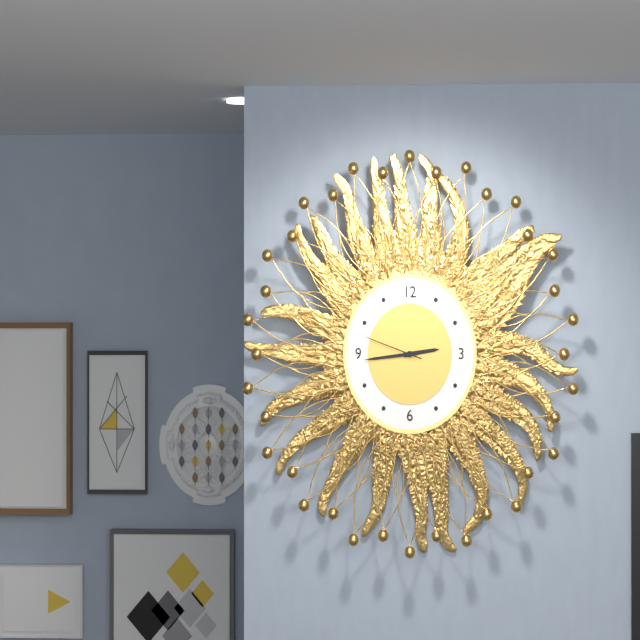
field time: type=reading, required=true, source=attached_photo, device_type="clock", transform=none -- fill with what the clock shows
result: 2:44:48
